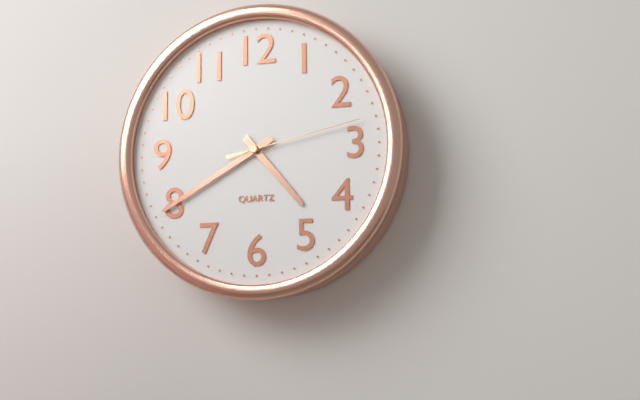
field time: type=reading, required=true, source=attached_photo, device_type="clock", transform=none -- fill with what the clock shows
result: 4:40:13
